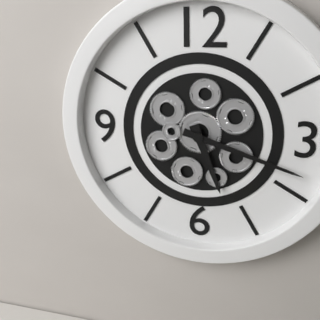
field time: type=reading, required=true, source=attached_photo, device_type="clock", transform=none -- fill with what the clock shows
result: 5:18
